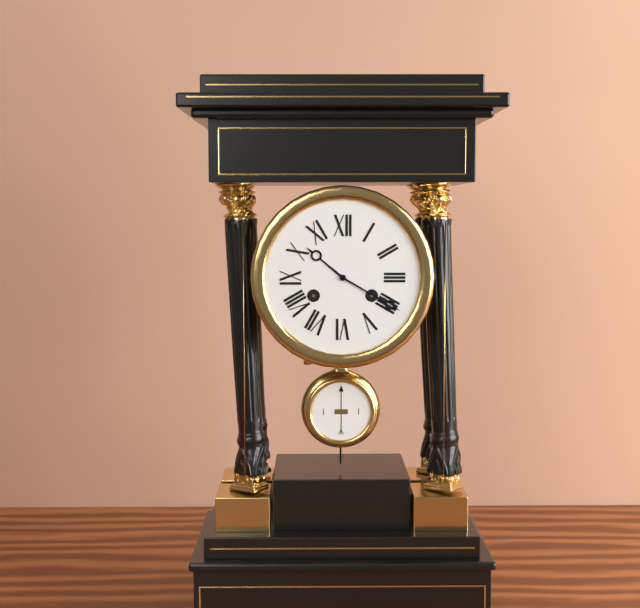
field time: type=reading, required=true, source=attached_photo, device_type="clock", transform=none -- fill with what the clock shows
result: 10:20
